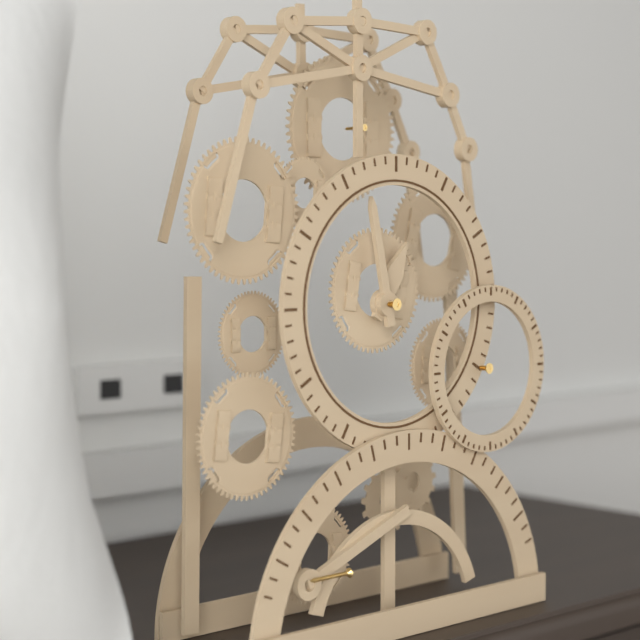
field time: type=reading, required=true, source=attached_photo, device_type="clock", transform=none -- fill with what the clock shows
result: 12:58
